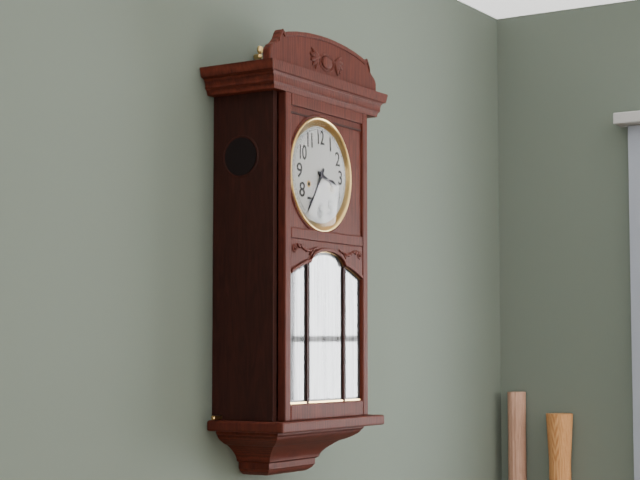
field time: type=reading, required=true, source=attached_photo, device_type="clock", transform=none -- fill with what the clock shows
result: 3:35
